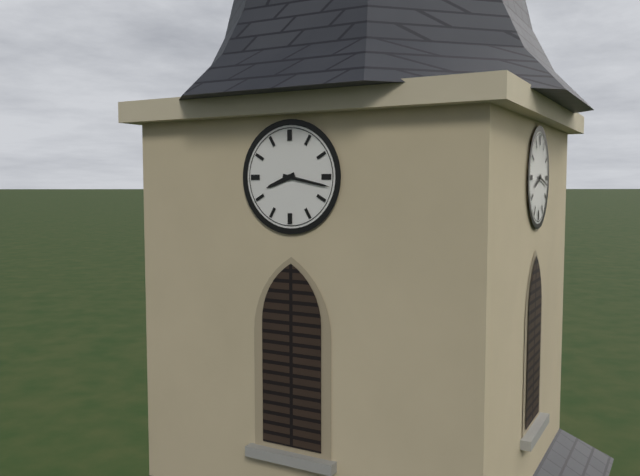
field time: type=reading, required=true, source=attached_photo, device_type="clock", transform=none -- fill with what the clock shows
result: 8:17
